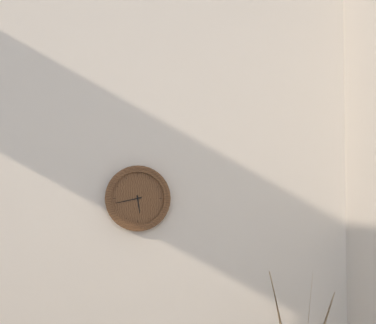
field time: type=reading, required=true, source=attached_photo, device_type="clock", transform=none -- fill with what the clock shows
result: 5:43
